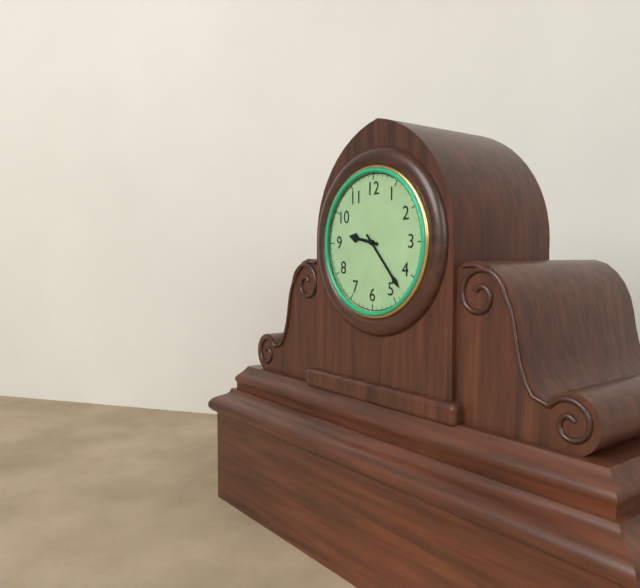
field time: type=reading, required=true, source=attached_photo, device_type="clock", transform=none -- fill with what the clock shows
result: 9:23
